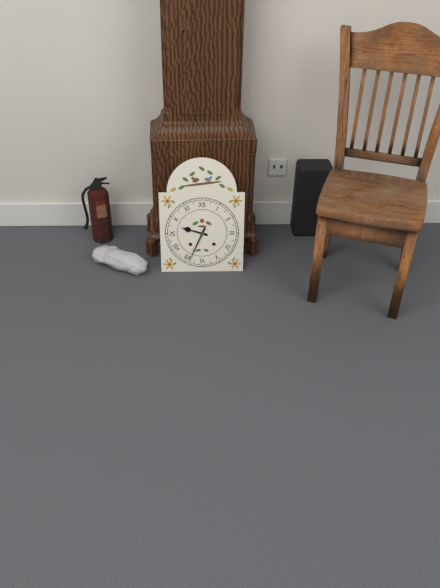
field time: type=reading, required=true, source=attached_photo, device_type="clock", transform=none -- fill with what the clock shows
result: 9:34
